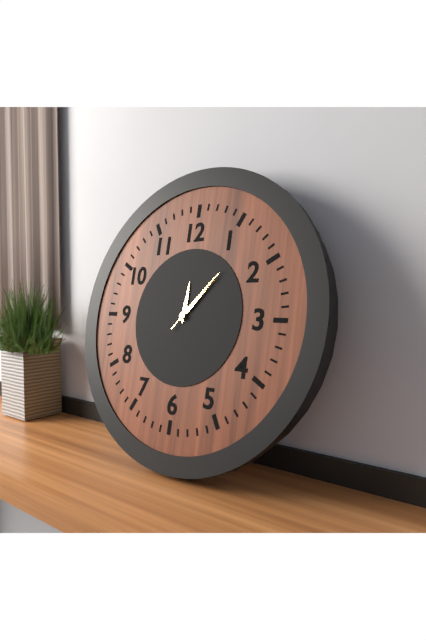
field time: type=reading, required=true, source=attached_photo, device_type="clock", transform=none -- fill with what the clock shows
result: 12:07:07
